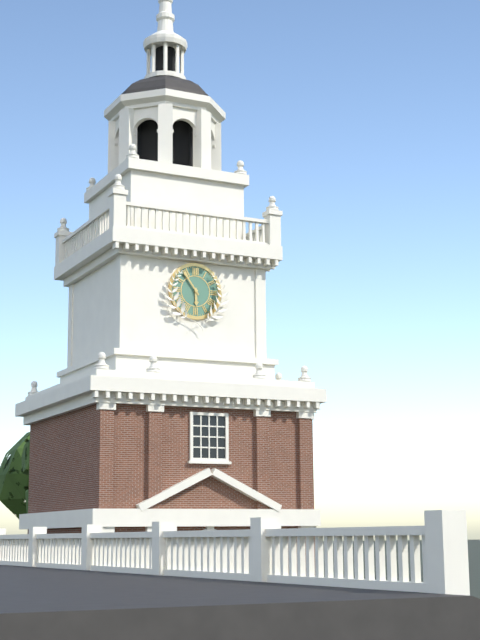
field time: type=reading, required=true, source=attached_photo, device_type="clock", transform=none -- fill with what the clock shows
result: 5:54
